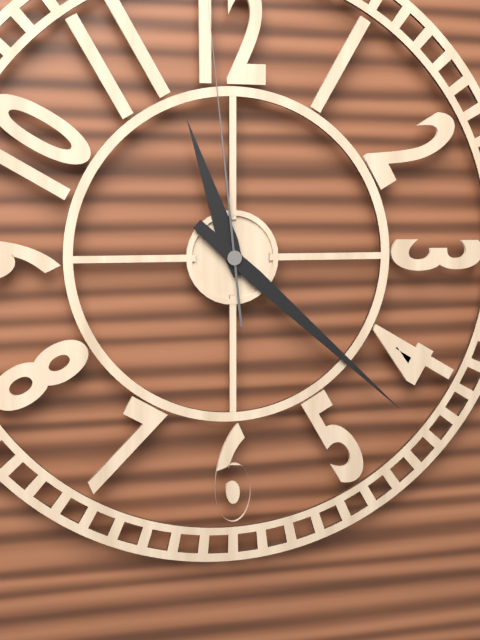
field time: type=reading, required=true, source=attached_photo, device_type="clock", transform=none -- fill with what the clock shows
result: 11:22:59
